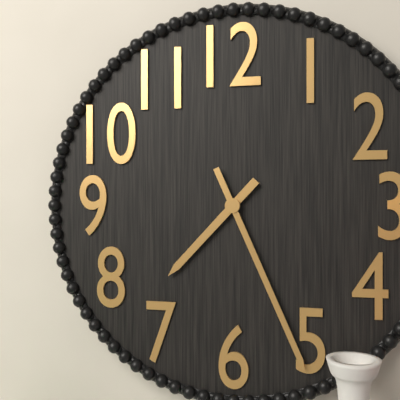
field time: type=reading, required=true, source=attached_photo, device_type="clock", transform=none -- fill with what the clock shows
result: 7:26
